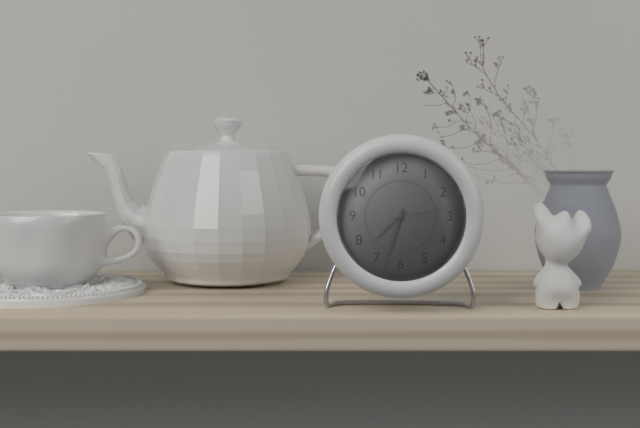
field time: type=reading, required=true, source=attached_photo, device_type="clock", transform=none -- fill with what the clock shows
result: 7:33:13
